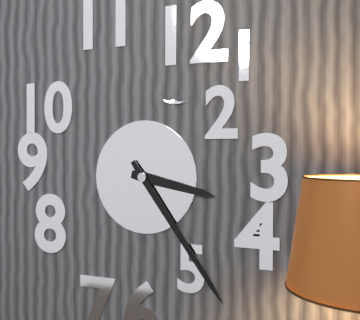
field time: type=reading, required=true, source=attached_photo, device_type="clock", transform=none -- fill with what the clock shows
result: 3:24
